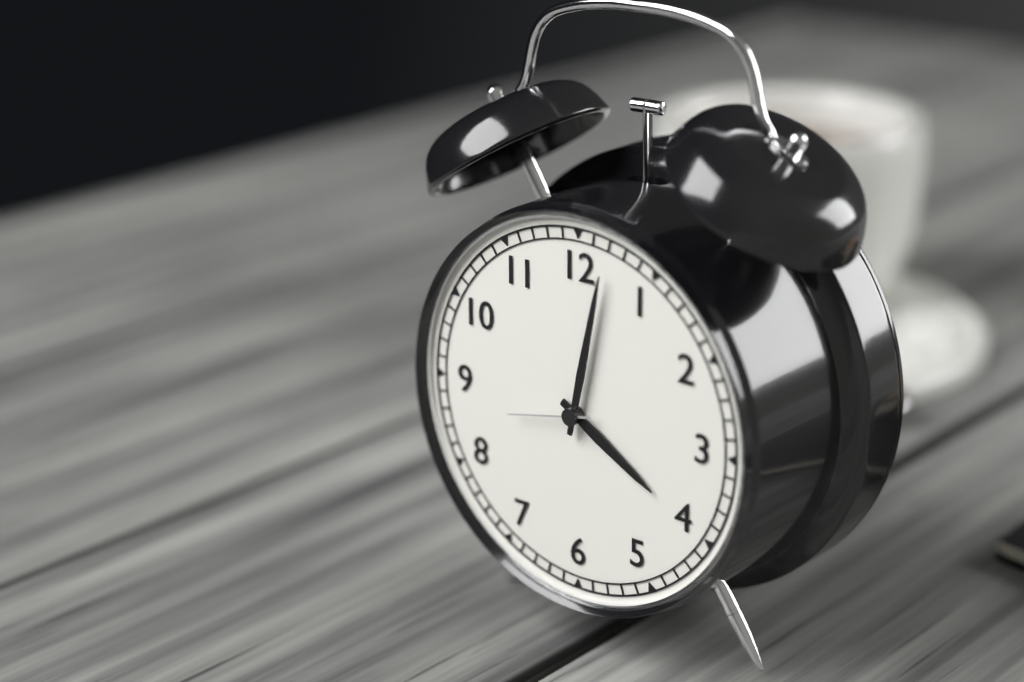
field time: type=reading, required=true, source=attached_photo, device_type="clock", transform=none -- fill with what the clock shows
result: 4:02:43
